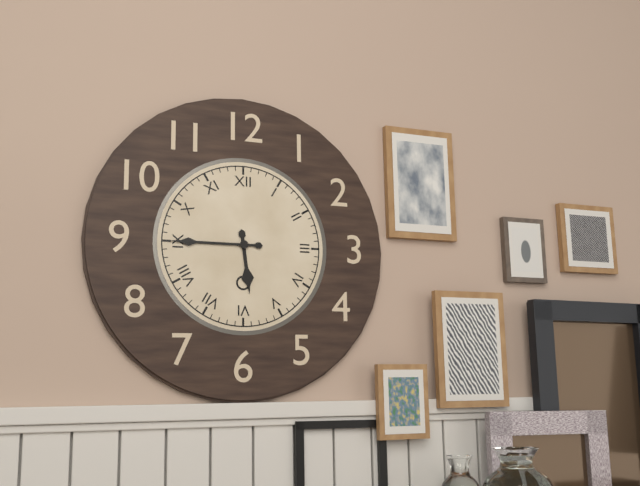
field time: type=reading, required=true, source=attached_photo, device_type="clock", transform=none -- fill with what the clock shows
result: 5:45
